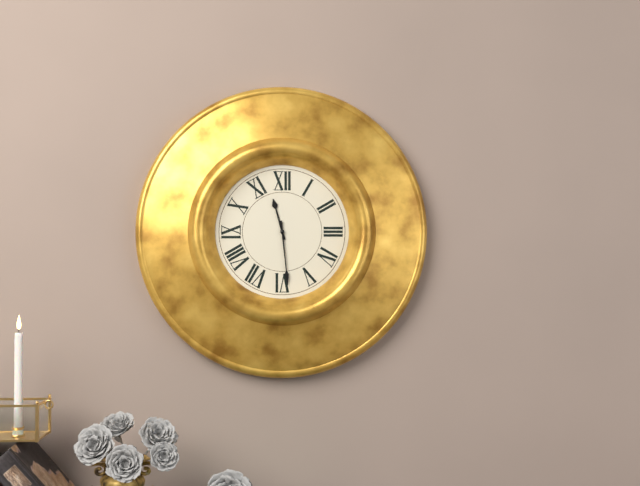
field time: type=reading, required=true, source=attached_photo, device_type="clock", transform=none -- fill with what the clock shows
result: 11:29
